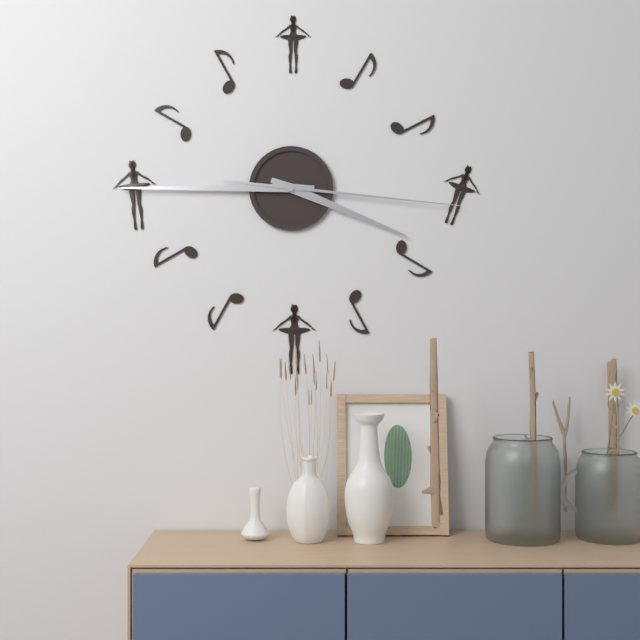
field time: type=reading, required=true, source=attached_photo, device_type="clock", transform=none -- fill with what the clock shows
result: 3:45:16
